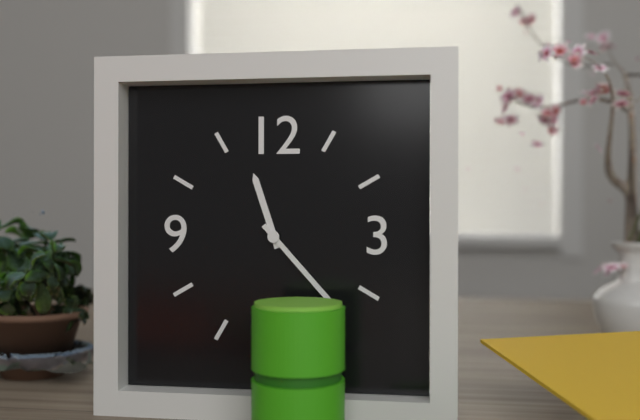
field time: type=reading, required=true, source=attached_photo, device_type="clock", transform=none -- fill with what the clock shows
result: 11:23
